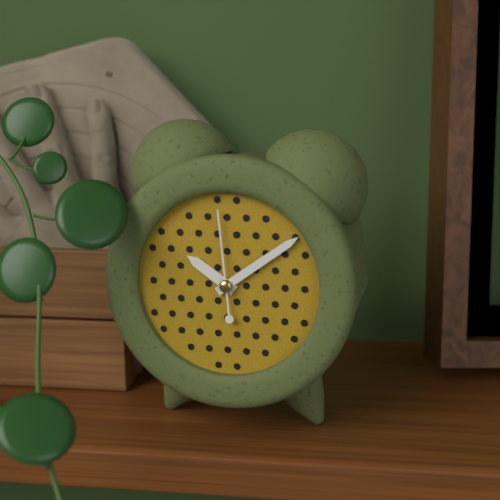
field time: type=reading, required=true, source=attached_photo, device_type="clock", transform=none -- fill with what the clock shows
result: 10:09:59
